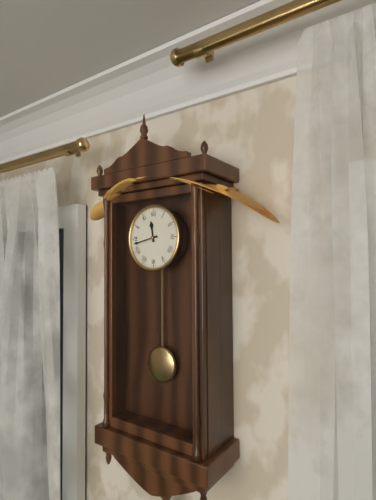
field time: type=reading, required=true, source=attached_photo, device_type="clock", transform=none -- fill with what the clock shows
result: 11:43
